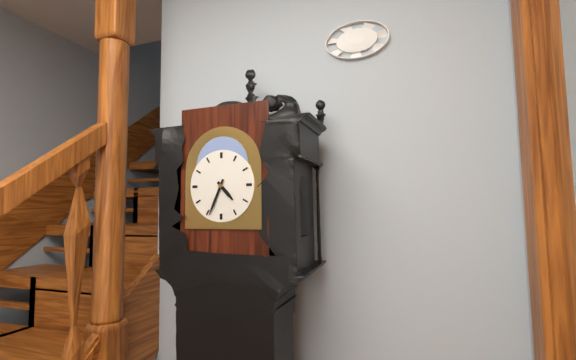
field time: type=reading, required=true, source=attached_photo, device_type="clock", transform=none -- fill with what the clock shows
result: 4:34
